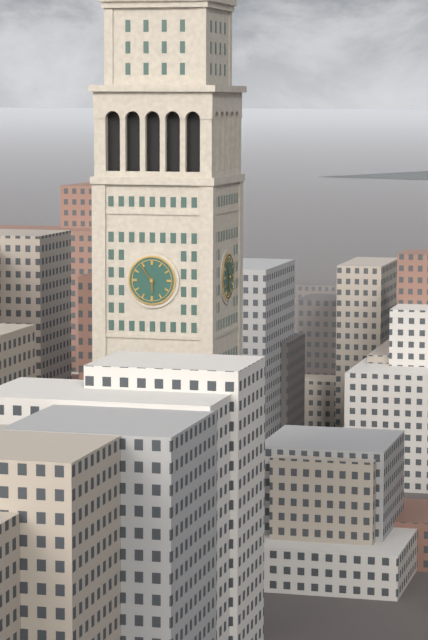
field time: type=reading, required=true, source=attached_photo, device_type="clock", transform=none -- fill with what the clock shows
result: 5:54
